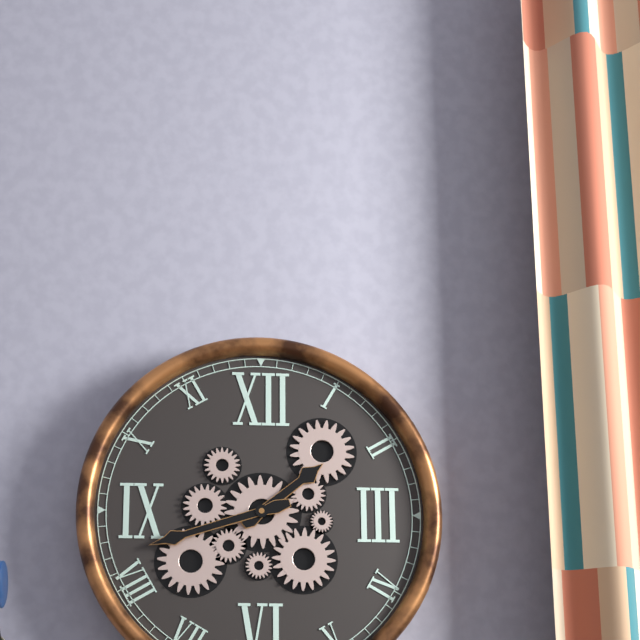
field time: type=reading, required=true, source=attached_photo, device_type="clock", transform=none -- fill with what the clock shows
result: 1:42
